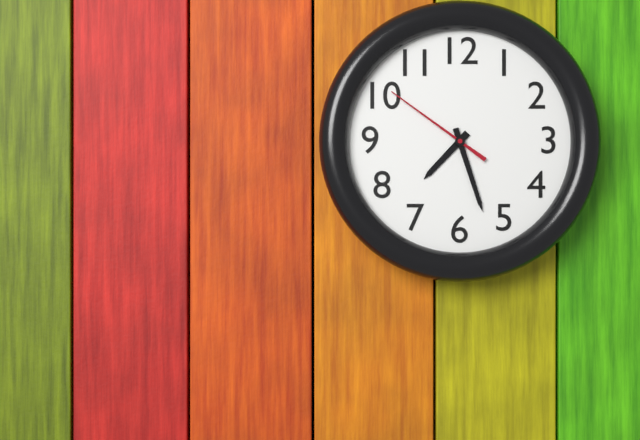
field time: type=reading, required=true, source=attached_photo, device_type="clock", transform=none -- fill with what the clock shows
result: 7:27:51
